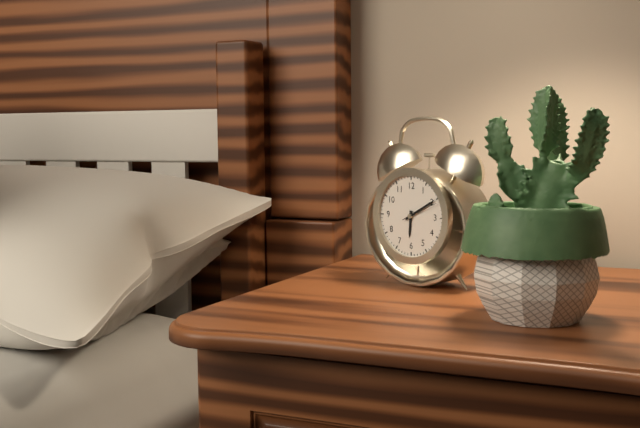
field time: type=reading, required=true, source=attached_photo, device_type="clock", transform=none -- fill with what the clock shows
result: 6:10
